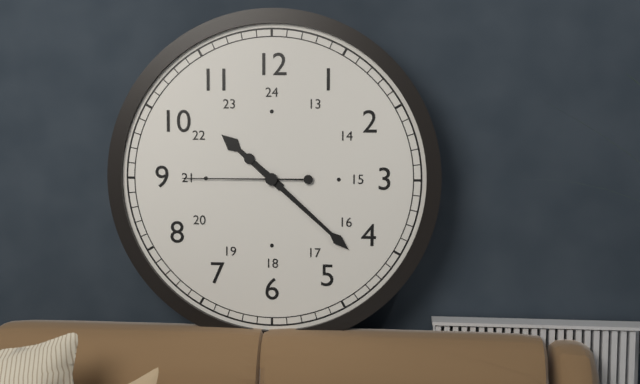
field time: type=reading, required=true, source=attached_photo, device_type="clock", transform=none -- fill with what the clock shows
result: 10:22:45
